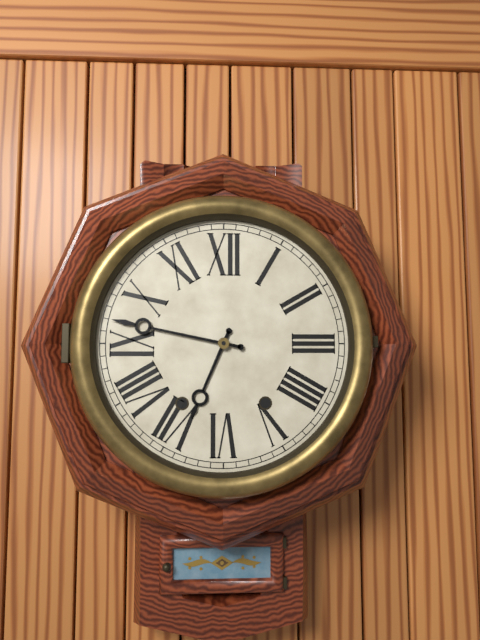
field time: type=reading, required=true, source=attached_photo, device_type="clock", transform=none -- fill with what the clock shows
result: 6:47
